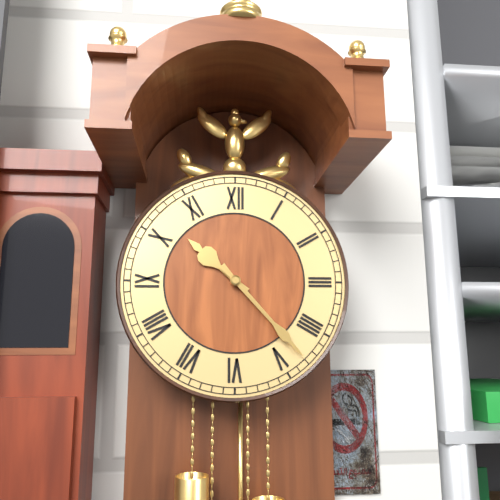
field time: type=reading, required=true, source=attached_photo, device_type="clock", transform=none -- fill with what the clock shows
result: 10:23
